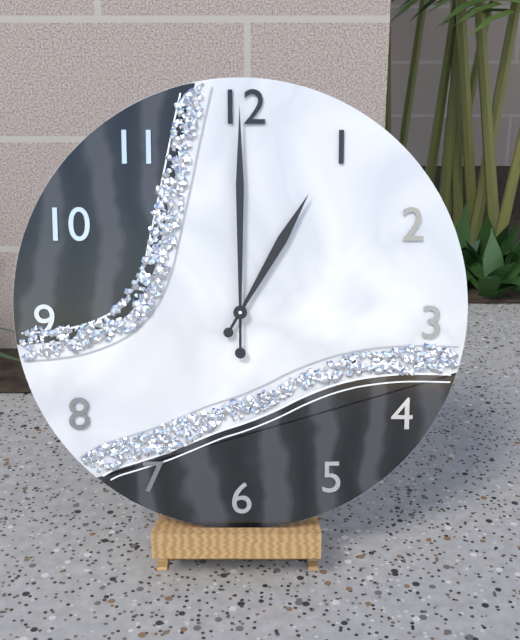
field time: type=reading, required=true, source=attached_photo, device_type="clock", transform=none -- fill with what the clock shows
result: 1:00
